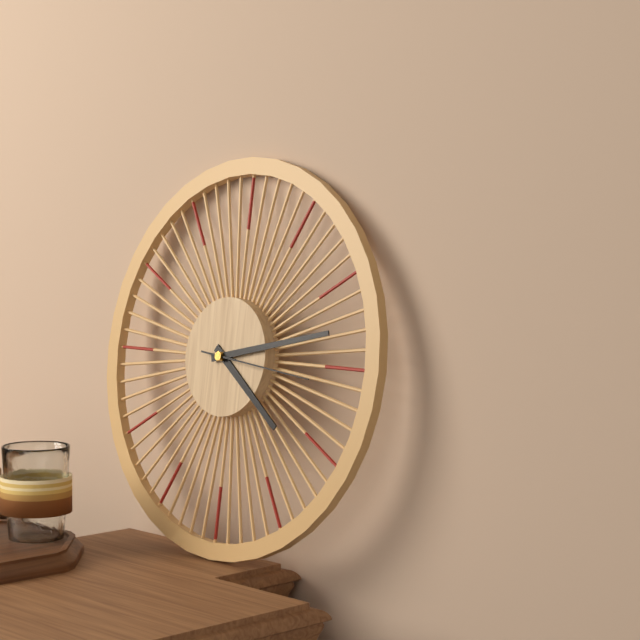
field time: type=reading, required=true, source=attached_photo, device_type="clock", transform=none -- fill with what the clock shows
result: 4:13:16
